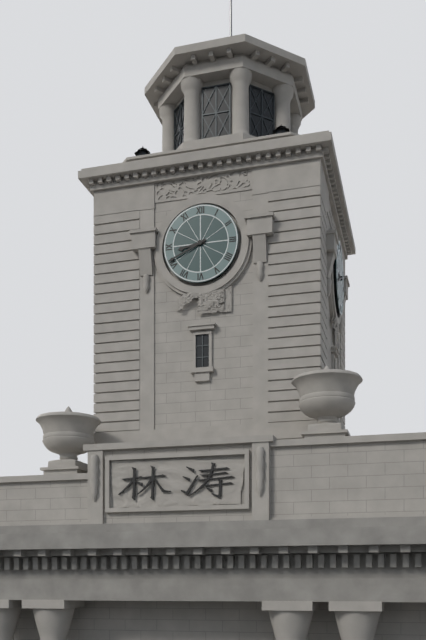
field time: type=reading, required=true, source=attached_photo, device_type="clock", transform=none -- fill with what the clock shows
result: 8:41
